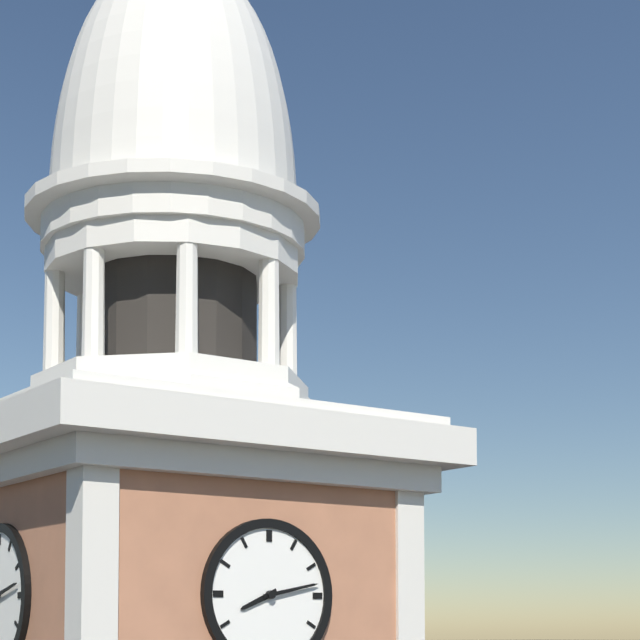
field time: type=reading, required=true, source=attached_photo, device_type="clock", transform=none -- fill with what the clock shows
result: 8:13
